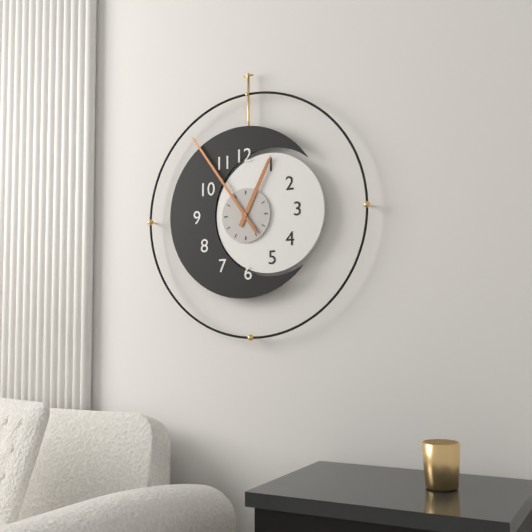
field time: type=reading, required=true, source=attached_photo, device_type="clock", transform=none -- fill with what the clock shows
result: 12:54
